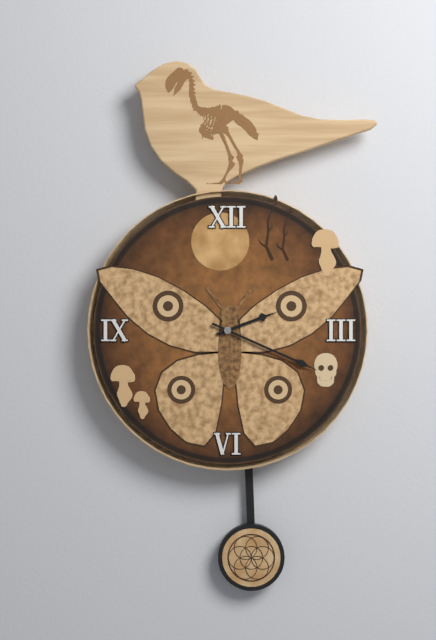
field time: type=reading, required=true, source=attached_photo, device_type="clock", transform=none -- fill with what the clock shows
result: 2:19
